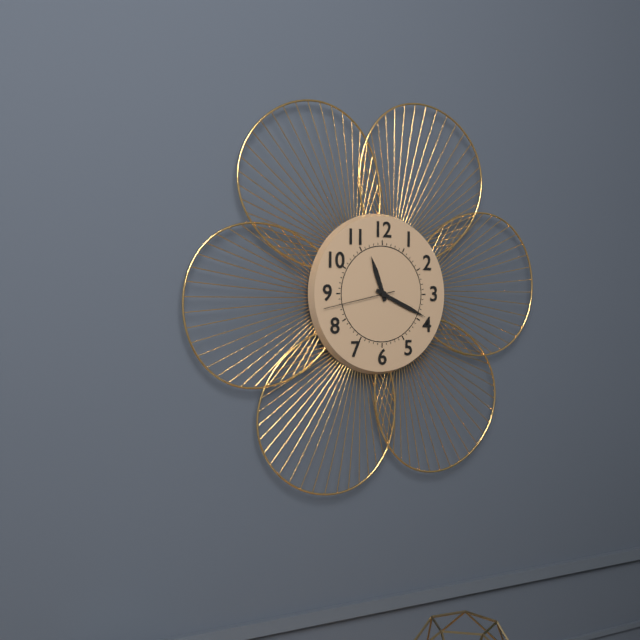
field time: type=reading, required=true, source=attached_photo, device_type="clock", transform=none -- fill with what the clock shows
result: 11:19:43
